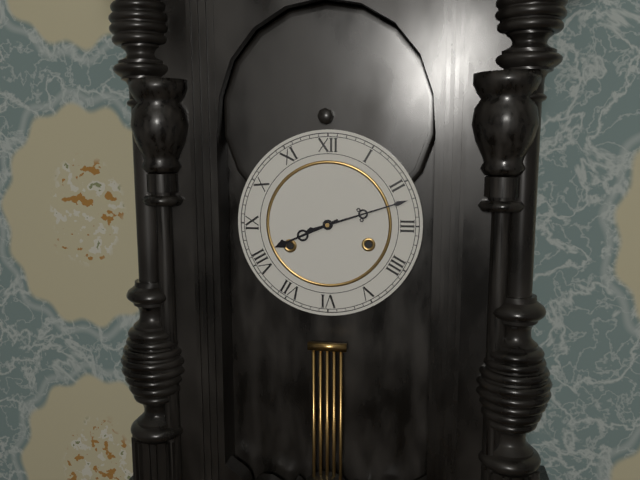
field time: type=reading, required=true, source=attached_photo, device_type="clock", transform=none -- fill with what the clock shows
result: 8:12
